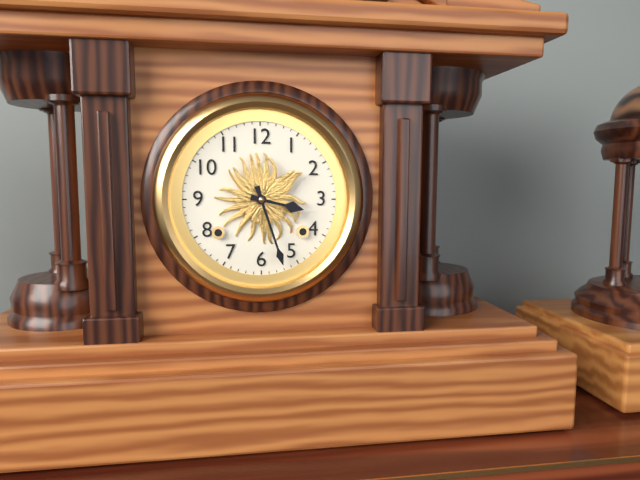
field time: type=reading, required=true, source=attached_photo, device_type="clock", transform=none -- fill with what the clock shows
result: 3:27
